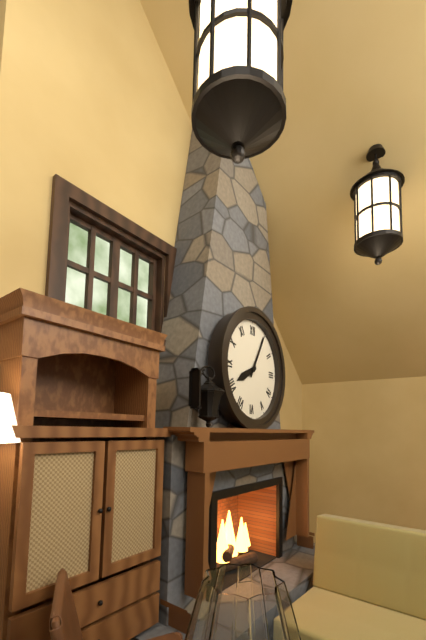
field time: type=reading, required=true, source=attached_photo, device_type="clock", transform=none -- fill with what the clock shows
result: 8:05
